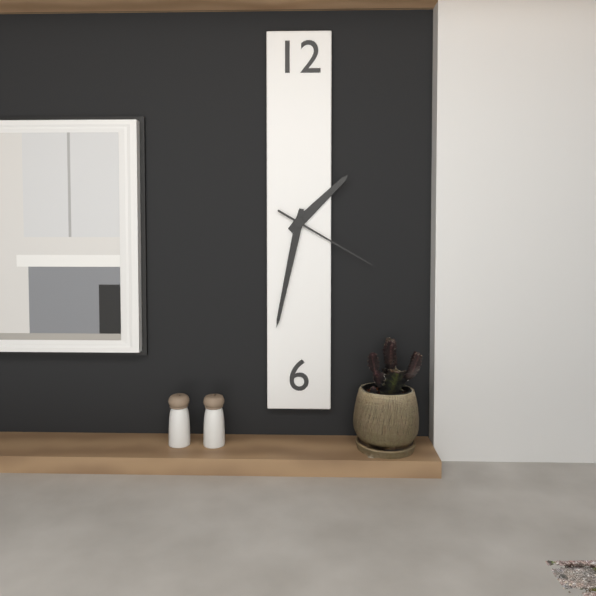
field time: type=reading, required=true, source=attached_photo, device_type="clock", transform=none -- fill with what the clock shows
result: 1:32:20
